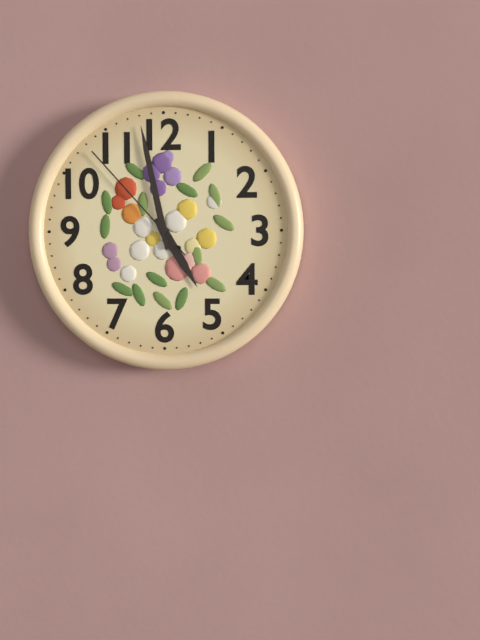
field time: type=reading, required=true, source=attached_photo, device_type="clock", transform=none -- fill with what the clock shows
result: 4:58:53
